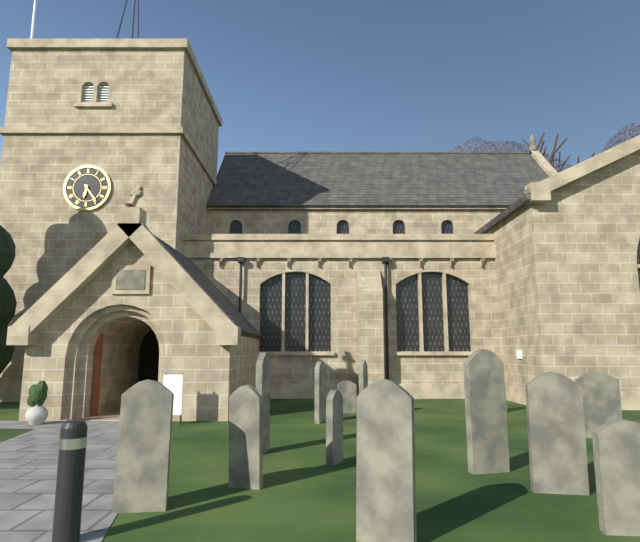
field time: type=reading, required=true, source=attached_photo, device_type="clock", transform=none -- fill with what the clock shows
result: 6:24
